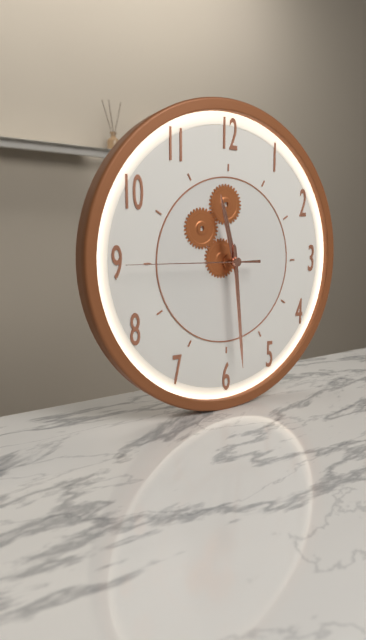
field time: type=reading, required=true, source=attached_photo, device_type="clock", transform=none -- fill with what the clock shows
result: 11:29:45
